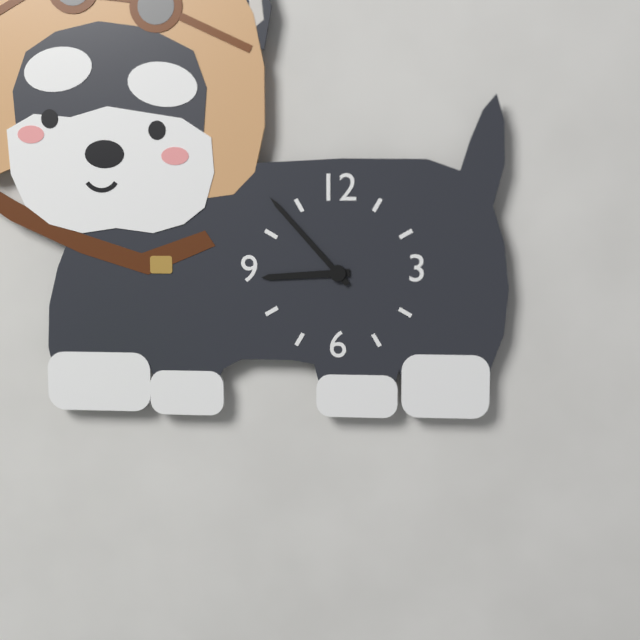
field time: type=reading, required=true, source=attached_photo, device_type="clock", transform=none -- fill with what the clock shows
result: 8:53
